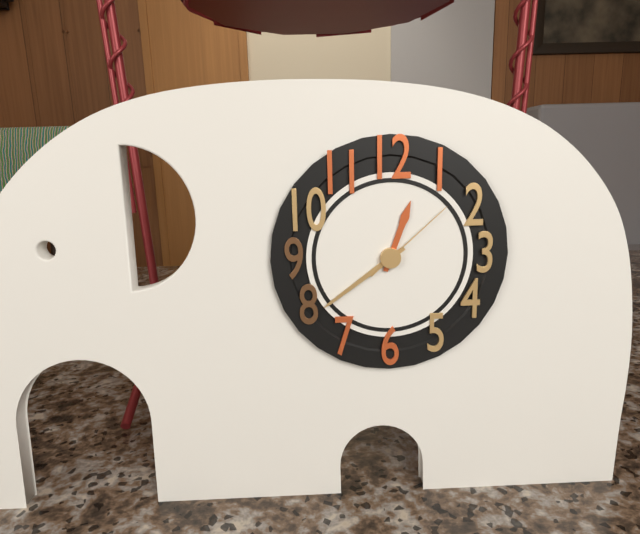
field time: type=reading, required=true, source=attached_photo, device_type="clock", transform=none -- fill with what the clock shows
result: 12:39:08
